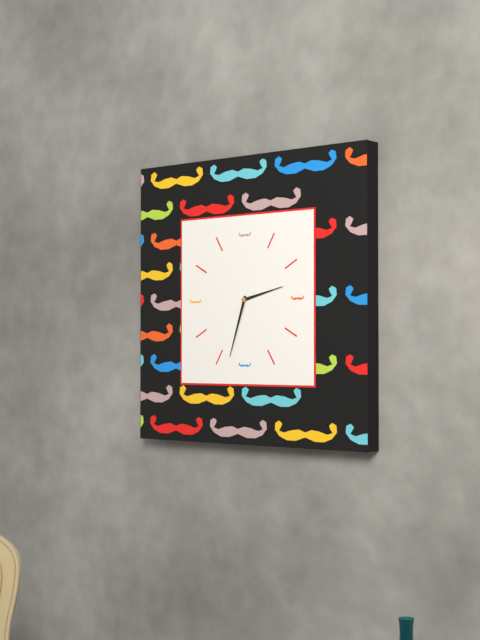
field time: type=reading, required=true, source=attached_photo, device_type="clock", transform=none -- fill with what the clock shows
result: 2:33
